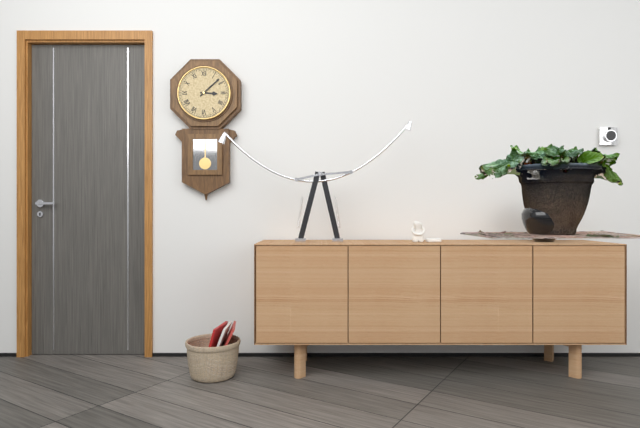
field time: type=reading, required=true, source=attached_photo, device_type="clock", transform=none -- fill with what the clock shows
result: 3:08
